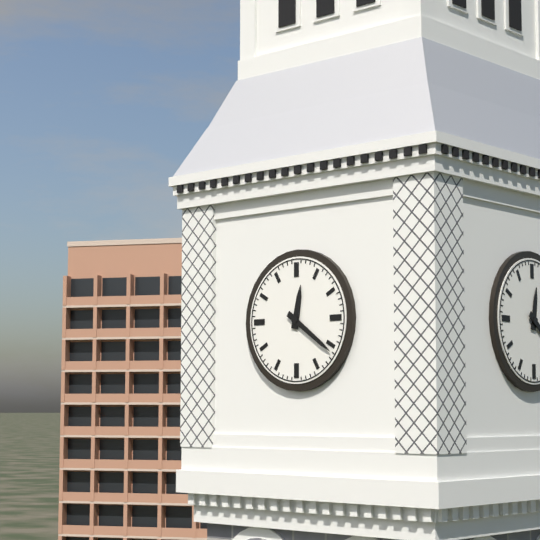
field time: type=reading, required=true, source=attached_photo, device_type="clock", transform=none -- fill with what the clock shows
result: 12:21
